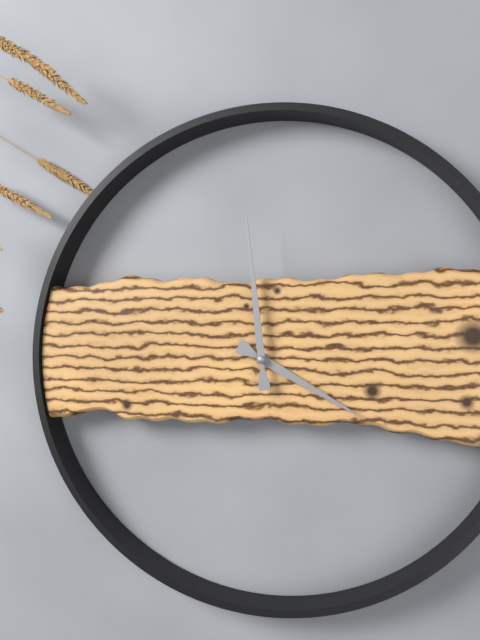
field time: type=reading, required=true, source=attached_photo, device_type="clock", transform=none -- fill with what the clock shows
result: 3:59
